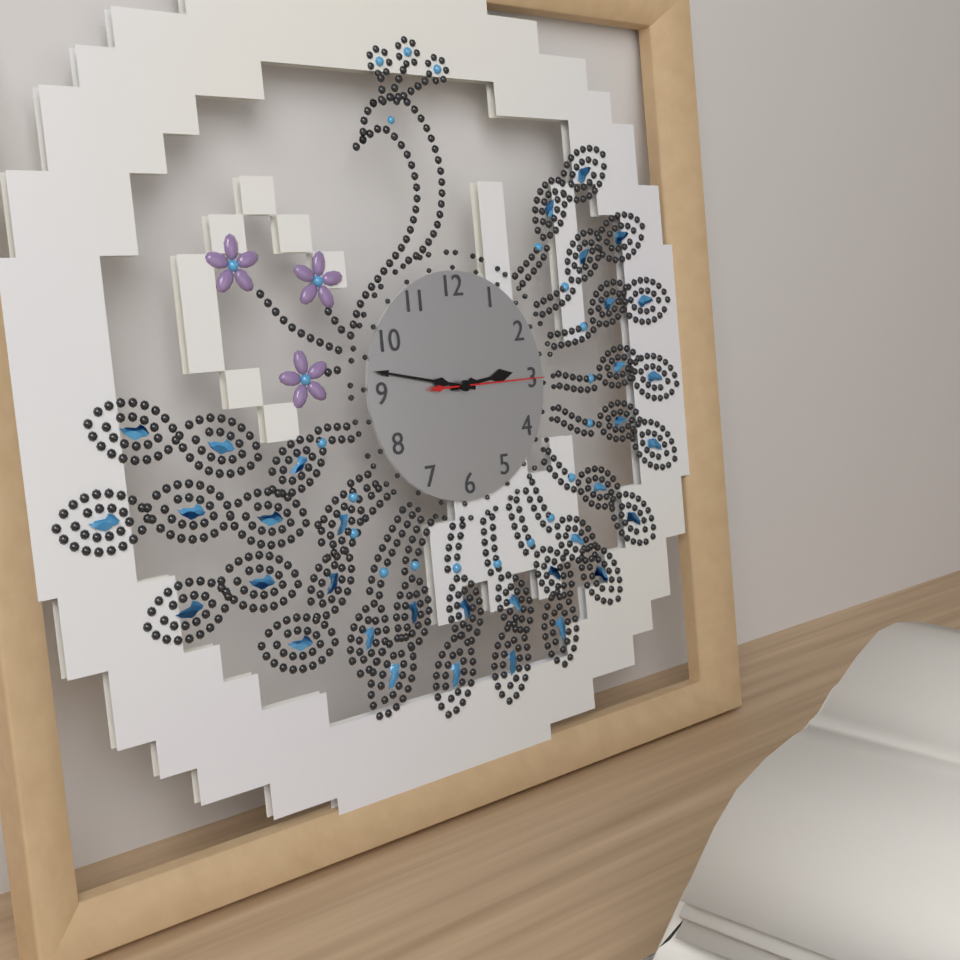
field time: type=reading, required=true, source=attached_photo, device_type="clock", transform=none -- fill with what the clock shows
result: 2:47:15
